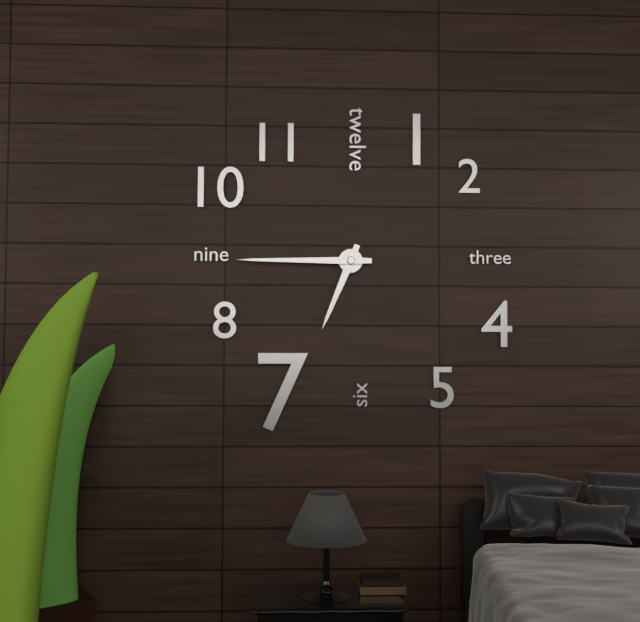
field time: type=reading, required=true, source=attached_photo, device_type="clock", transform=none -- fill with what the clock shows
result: 6:45
